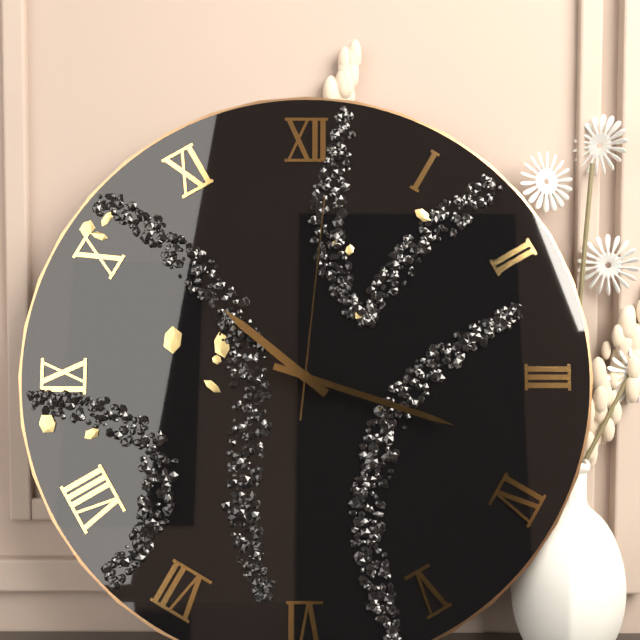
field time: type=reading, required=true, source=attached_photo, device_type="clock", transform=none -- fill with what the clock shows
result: 10:18:01
